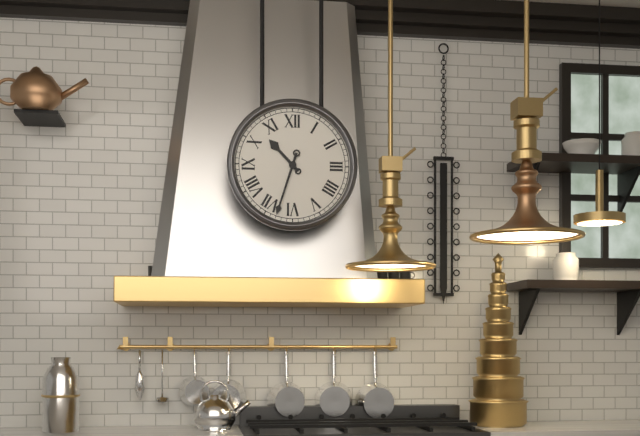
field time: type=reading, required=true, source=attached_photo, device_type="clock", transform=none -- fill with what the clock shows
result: 10:33
